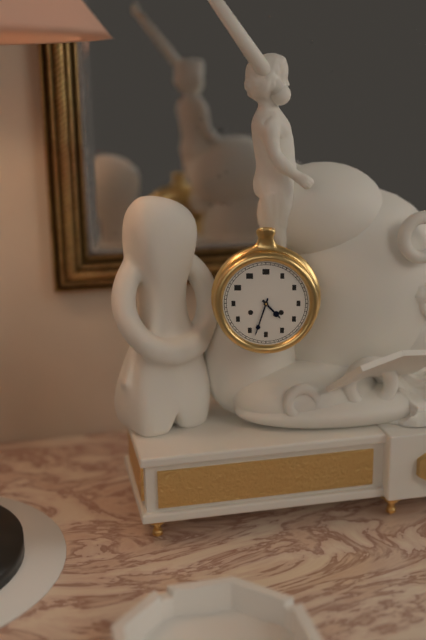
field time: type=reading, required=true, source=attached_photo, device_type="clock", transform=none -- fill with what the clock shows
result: 4:33
